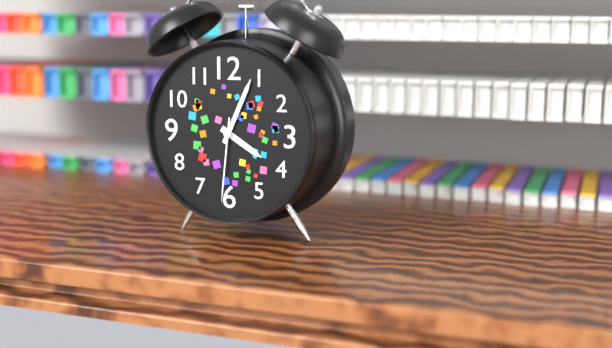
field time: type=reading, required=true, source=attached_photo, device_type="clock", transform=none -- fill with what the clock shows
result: 4:04:31
